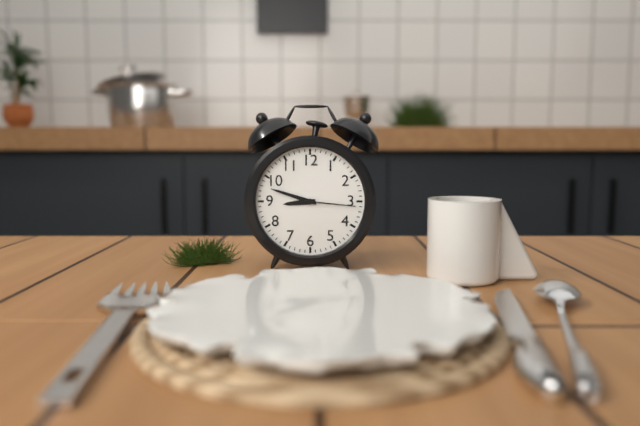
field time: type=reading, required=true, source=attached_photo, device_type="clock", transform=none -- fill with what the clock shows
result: 8:48:16
